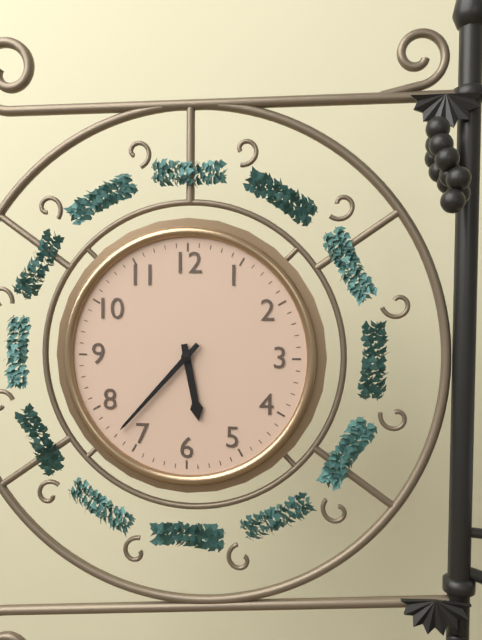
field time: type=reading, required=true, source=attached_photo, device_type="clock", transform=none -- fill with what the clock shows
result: 5:37
